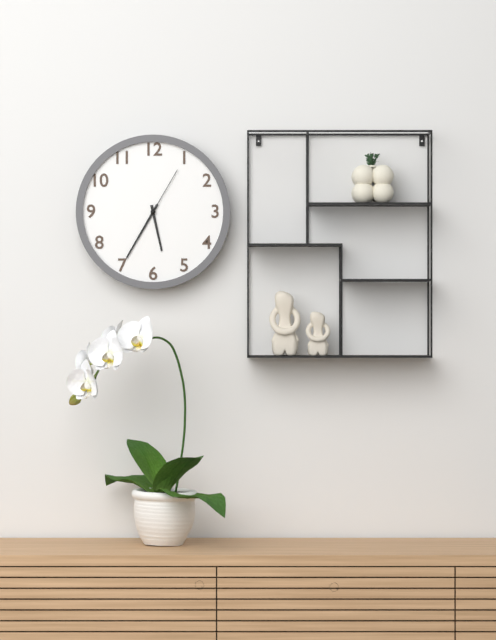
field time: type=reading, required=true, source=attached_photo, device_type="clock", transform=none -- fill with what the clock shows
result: 5:35:05
